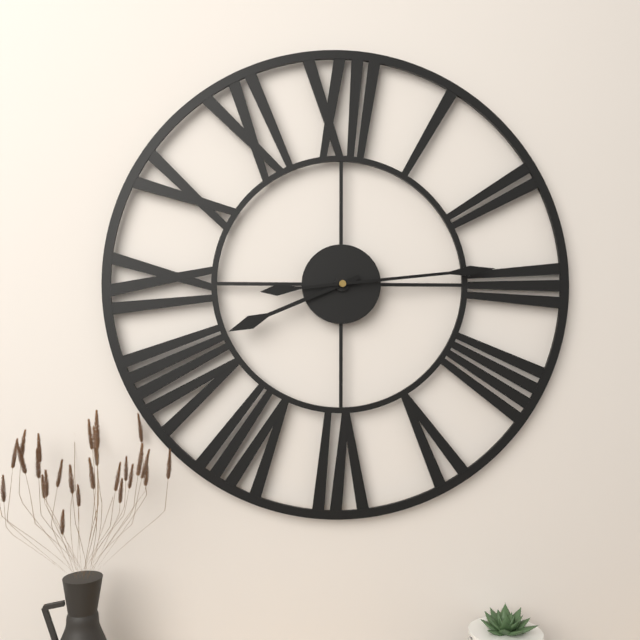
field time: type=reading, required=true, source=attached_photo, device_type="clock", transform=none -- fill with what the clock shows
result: 8:14
